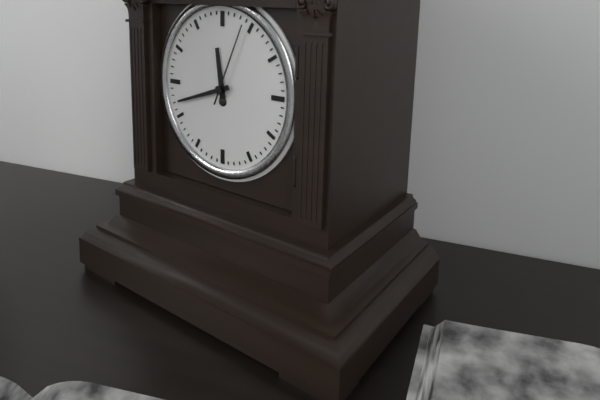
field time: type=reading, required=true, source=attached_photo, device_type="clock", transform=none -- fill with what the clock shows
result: 11:42:04
